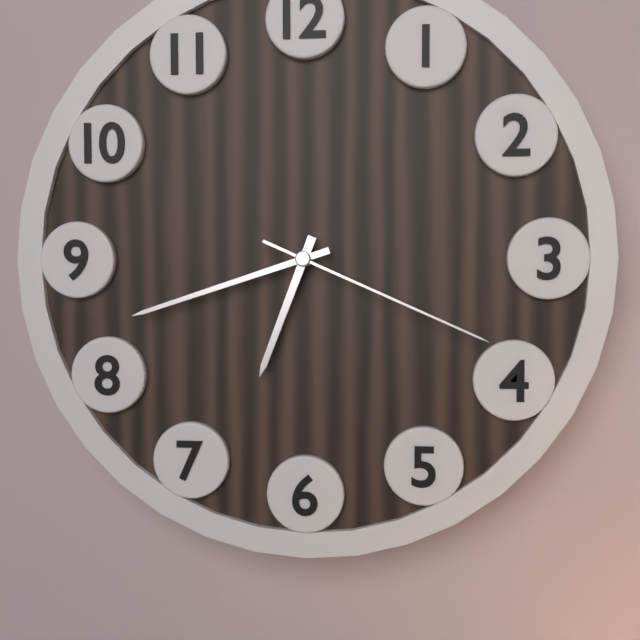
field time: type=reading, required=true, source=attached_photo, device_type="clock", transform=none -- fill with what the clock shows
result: 6:42:19
